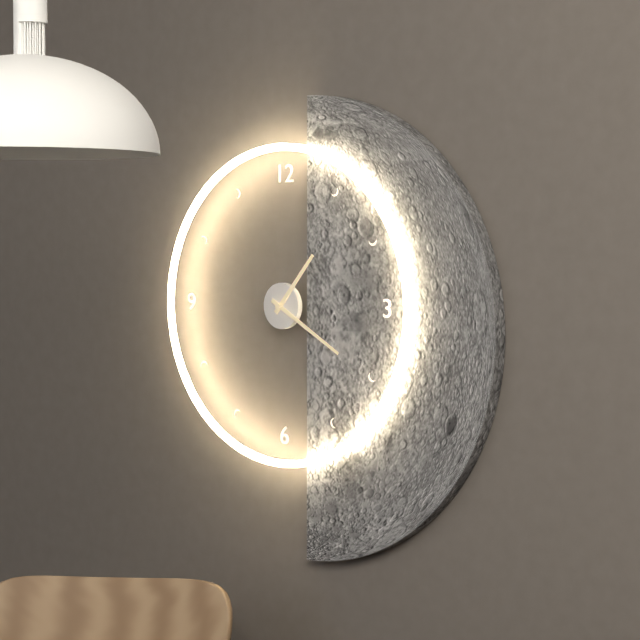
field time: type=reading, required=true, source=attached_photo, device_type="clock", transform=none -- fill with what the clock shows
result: 1:20
